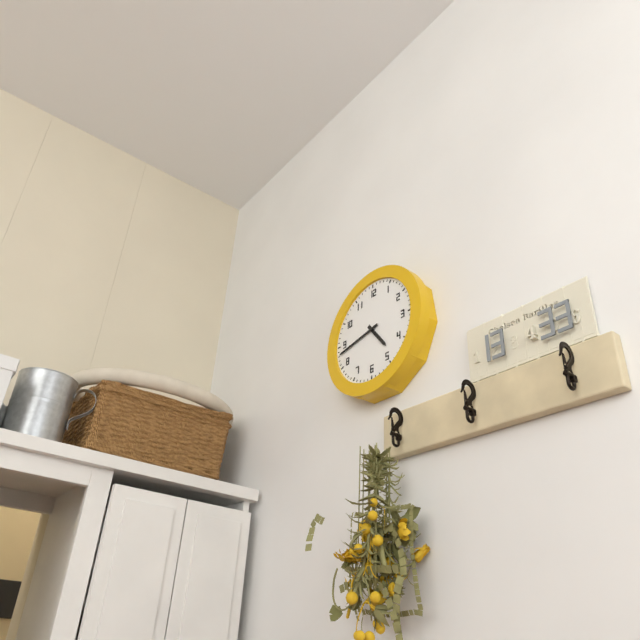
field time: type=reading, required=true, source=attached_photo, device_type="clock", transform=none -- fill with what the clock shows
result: 4:43
